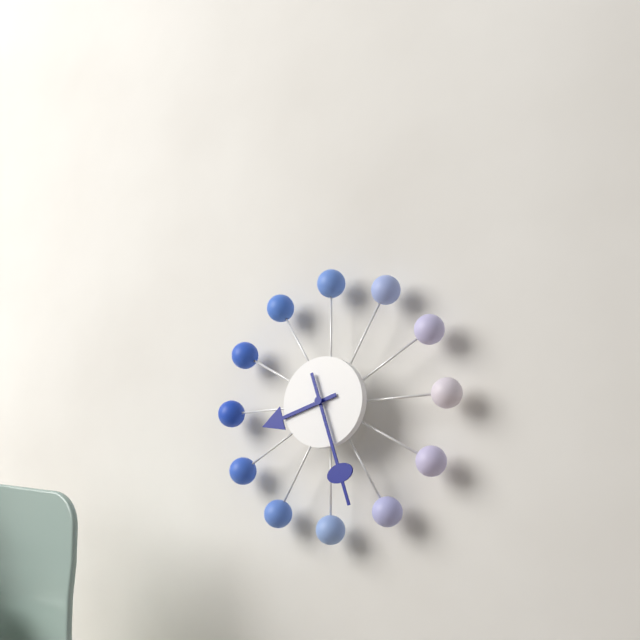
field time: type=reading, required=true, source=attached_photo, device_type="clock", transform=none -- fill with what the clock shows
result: 8:27
